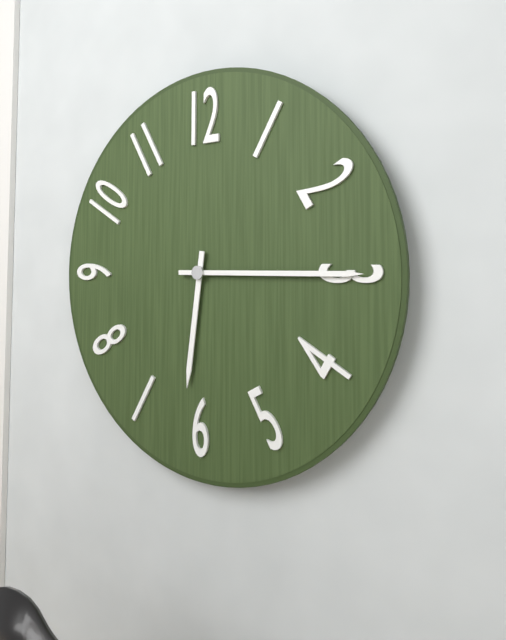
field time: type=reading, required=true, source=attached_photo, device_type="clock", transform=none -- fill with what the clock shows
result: 6:15
